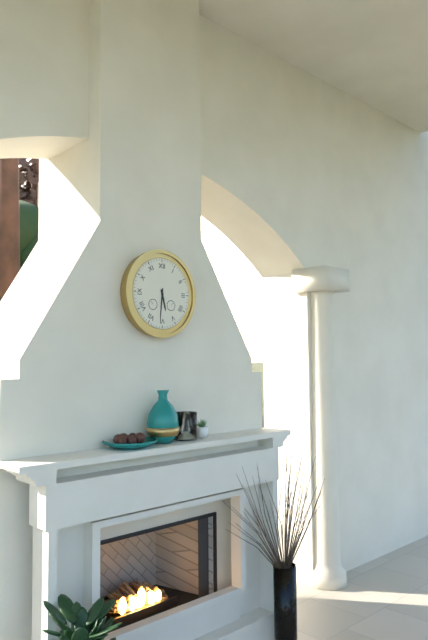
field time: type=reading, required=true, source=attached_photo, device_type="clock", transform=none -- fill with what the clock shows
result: 5:31
